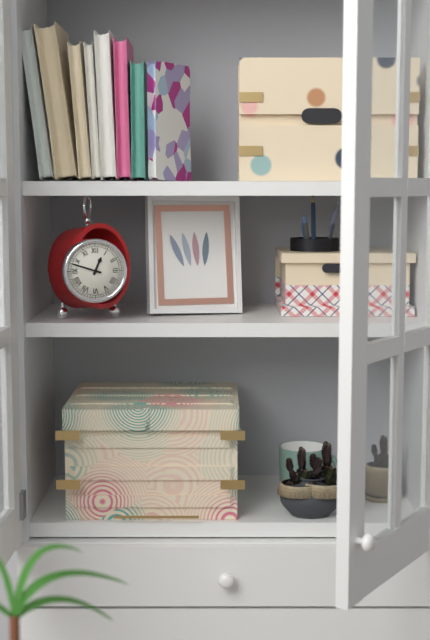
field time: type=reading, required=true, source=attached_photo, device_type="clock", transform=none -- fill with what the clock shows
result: 12:48
